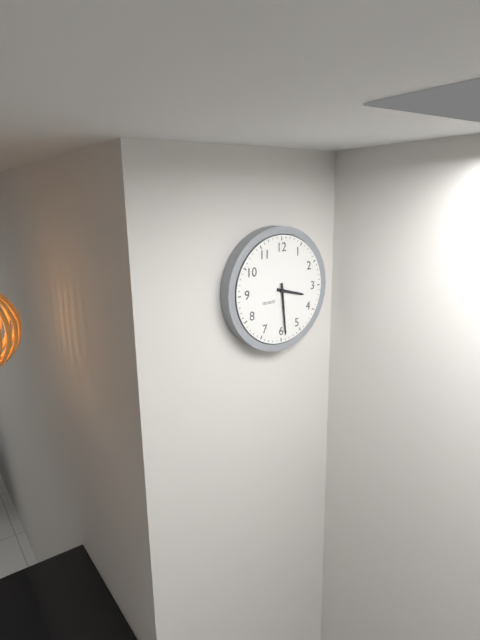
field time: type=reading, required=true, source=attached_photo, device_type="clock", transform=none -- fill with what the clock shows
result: 3:29
